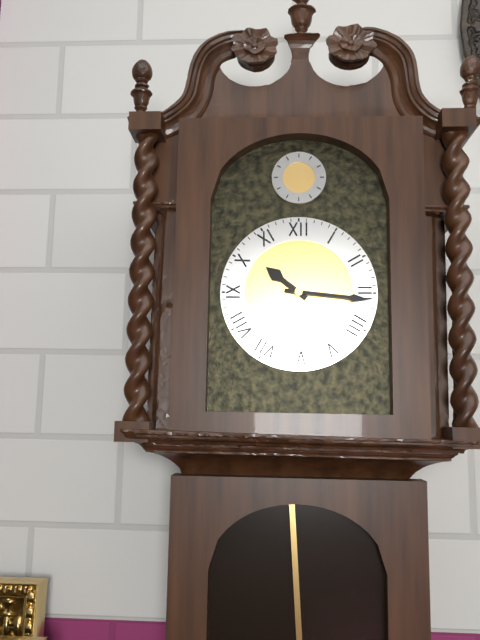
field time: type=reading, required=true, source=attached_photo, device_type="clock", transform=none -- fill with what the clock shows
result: 10:16
